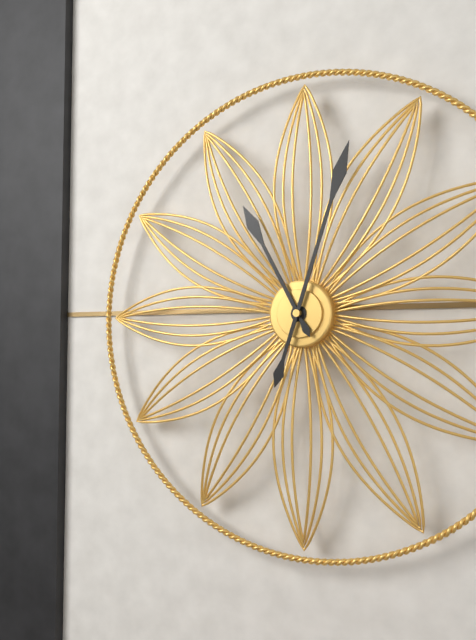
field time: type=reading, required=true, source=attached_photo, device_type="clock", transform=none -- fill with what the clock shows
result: 11:03
